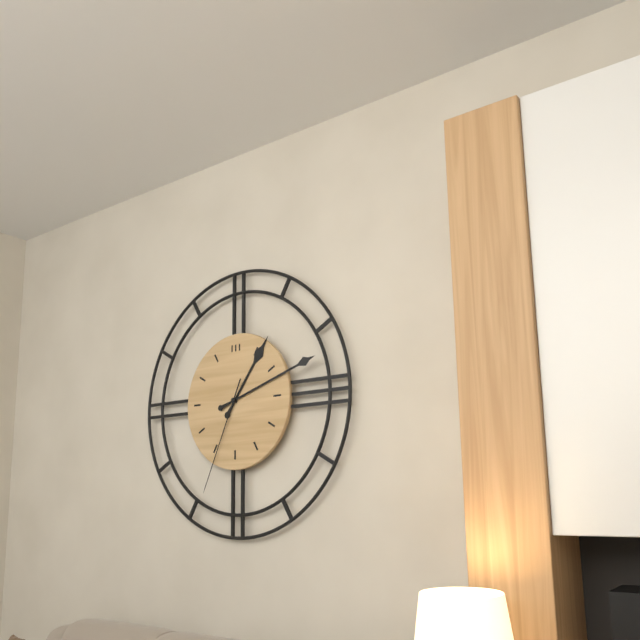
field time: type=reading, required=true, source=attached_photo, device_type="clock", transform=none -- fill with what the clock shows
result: 1:12:34
